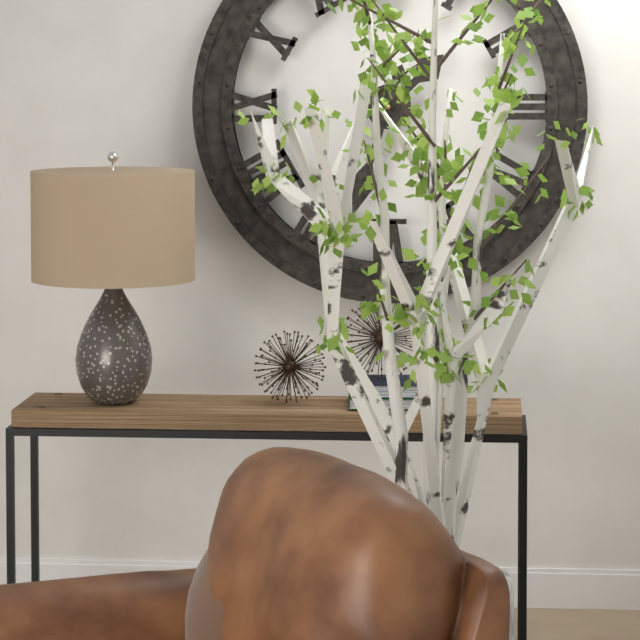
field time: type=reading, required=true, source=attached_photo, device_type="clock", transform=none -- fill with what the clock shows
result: 1:33
